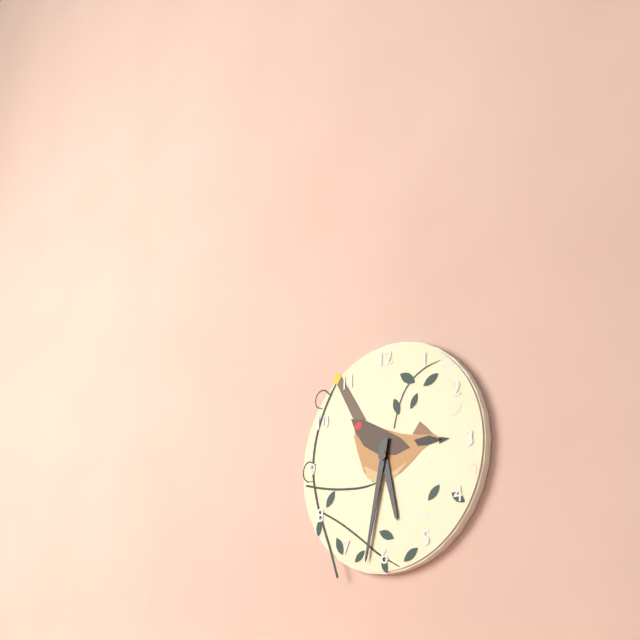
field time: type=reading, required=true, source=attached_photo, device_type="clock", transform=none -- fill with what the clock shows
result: 5:32
